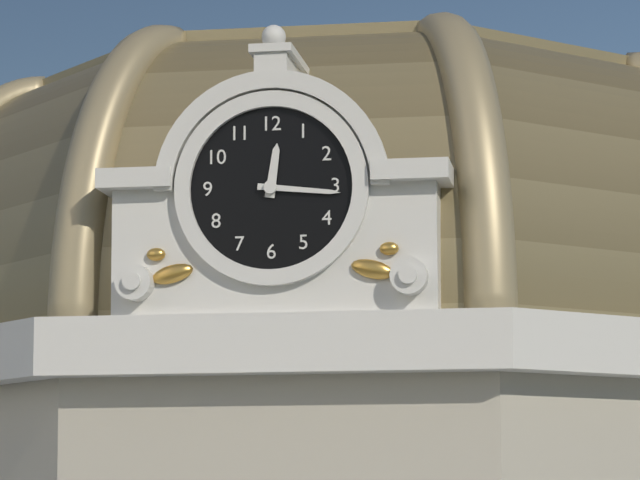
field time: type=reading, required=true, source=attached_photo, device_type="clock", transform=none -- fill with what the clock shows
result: 12:16
